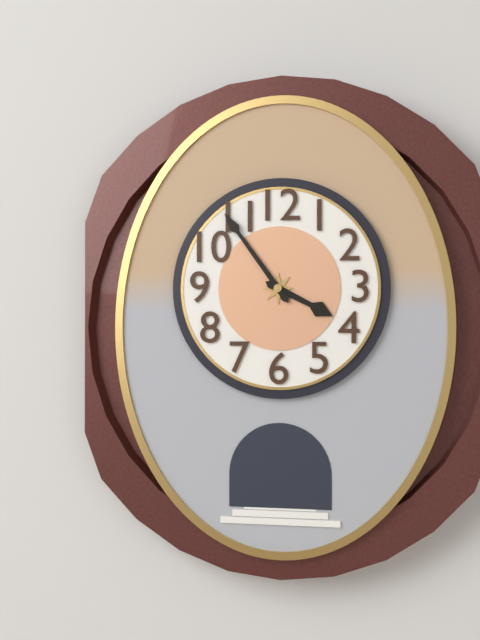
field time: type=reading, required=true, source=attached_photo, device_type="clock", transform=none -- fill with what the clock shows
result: 3:54
